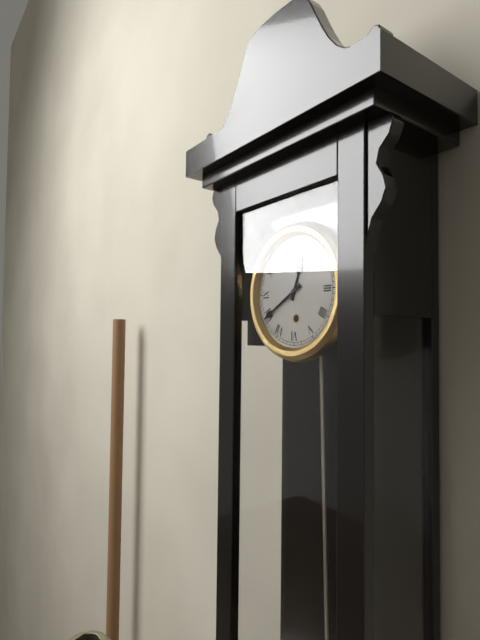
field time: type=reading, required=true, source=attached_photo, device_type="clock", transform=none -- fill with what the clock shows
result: 12:40
